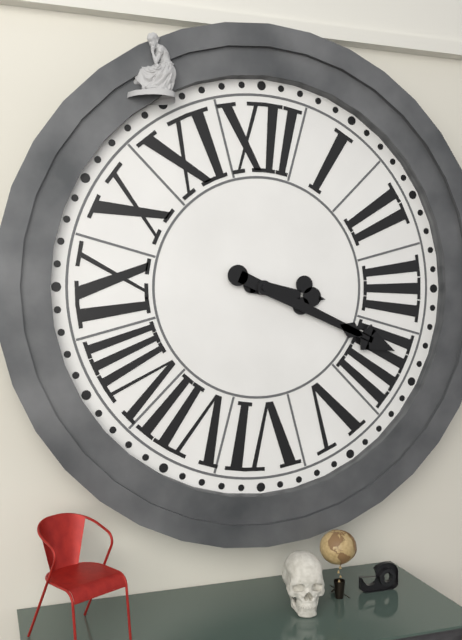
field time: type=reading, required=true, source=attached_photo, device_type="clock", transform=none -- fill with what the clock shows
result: 3:19
